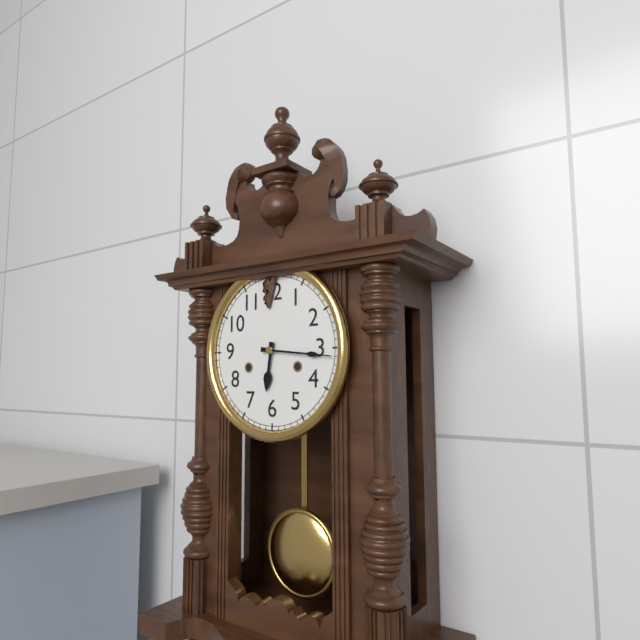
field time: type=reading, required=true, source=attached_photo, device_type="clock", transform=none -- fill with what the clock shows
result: 6:16
